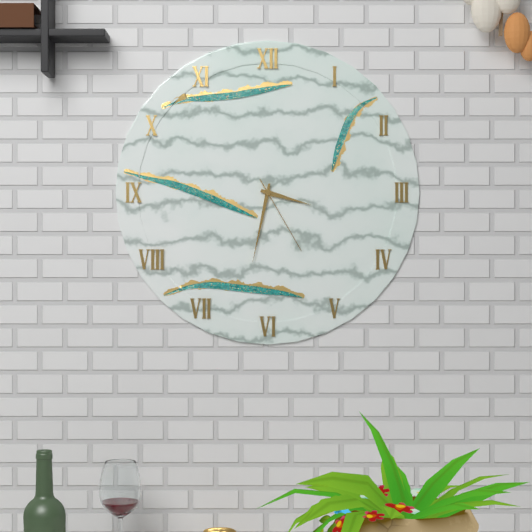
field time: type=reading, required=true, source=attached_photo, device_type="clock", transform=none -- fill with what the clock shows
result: 3:32:25
